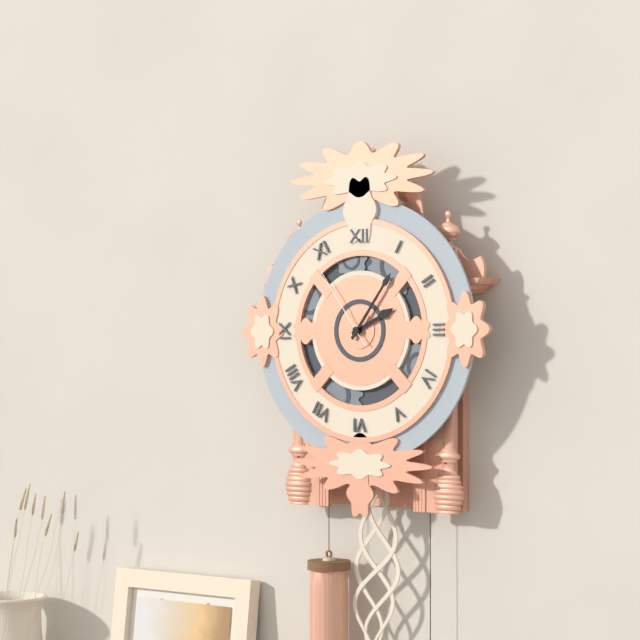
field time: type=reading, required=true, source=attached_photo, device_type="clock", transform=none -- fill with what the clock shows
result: 2:06:54
